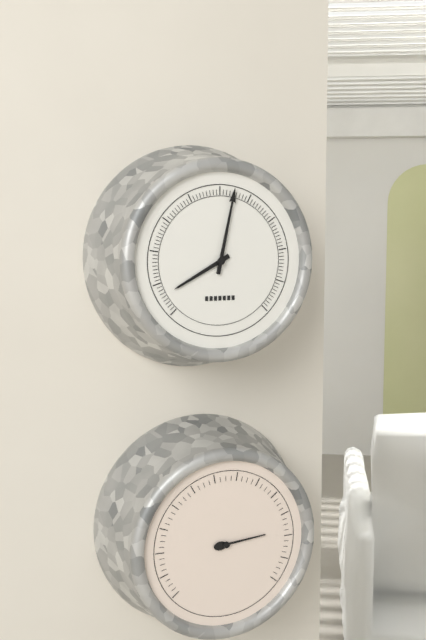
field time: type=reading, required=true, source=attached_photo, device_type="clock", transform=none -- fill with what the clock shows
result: 8:02
